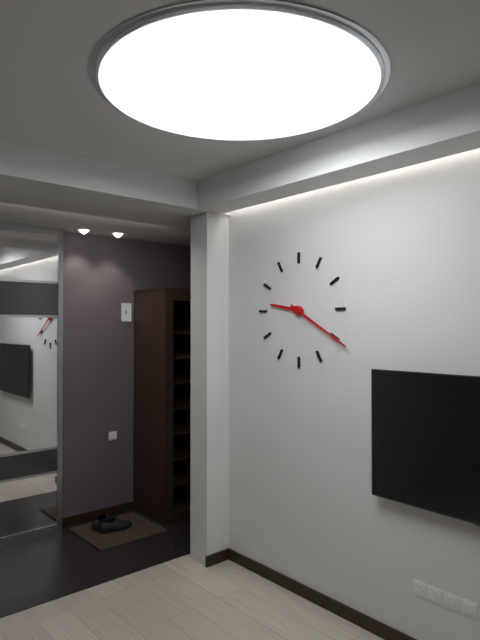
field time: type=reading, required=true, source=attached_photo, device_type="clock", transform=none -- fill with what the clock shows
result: 9:20
